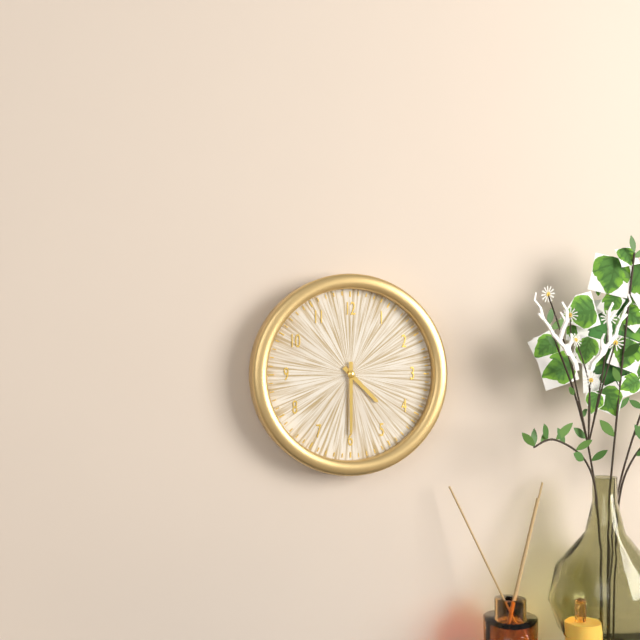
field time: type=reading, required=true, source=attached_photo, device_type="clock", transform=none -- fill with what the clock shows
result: 4:30
